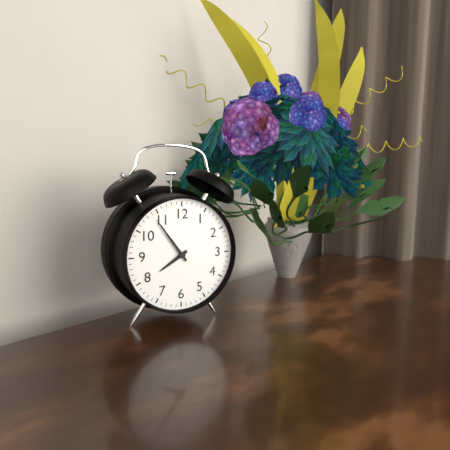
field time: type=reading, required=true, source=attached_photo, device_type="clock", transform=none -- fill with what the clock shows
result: 7:54
